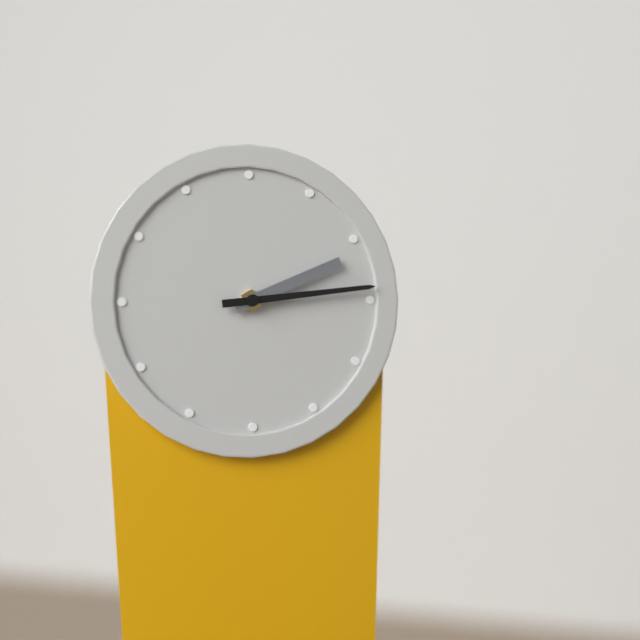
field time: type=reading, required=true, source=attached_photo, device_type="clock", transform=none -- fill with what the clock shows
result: 2:14
